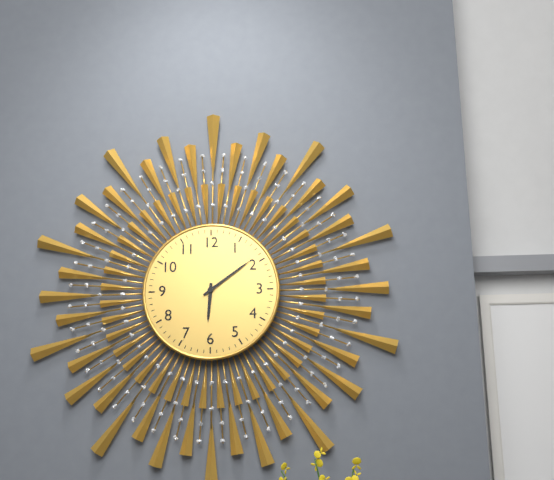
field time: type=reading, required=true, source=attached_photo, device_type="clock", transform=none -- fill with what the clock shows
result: 6:09
